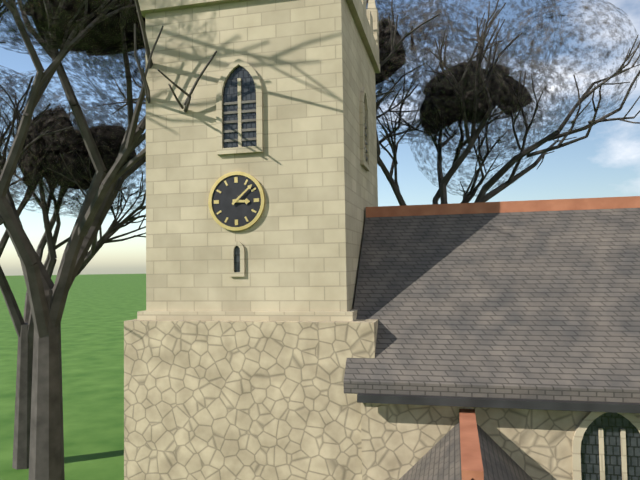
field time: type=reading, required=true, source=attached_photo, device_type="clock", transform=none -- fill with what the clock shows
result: 3:08
